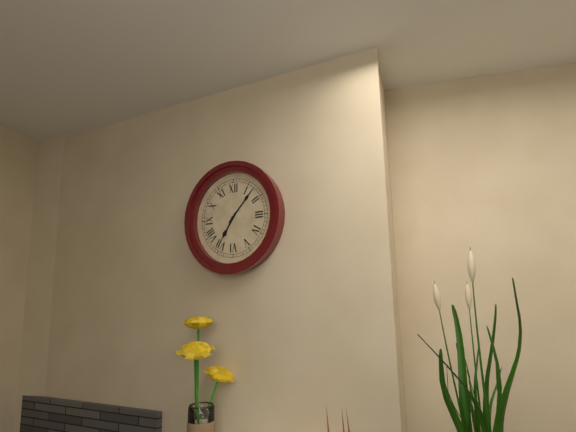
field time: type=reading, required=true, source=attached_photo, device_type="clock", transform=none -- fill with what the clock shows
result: 7:07
